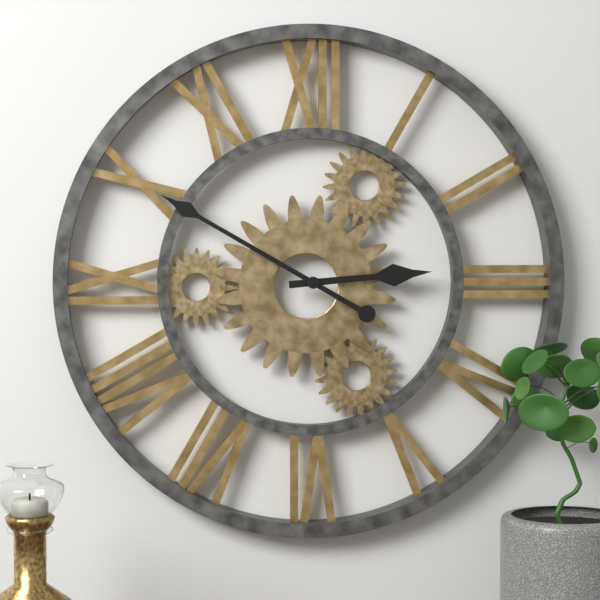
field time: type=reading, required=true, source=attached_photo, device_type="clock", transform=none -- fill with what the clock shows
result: 2:50
